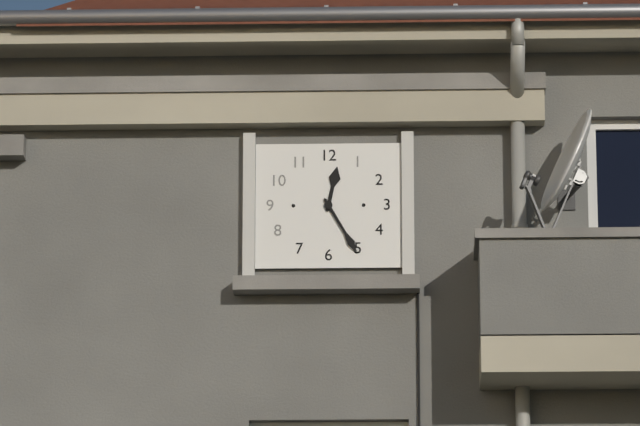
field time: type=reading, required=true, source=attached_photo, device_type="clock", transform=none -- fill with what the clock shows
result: 12:25
